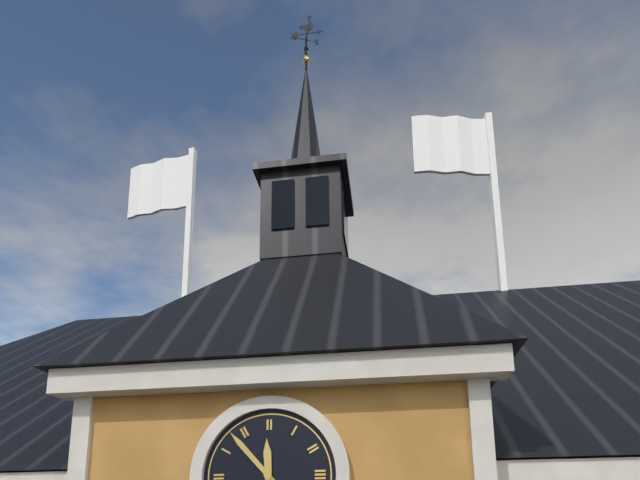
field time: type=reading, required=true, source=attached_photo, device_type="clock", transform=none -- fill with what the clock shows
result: 11:53
